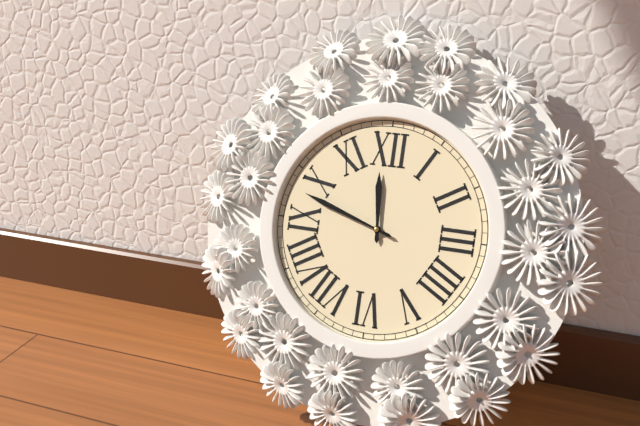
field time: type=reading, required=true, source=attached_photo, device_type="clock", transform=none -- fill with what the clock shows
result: 11:48
